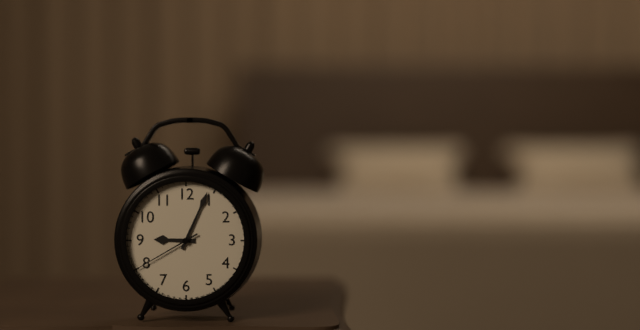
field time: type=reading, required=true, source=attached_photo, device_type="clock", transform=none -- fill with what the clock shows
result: 9:04:40
